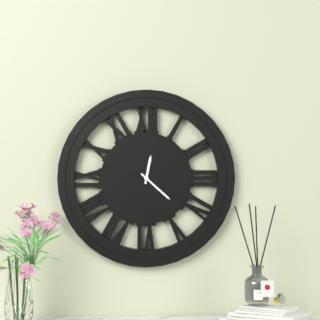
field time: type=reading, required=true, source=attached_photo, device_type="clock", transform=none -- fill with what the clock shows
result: 12:22
